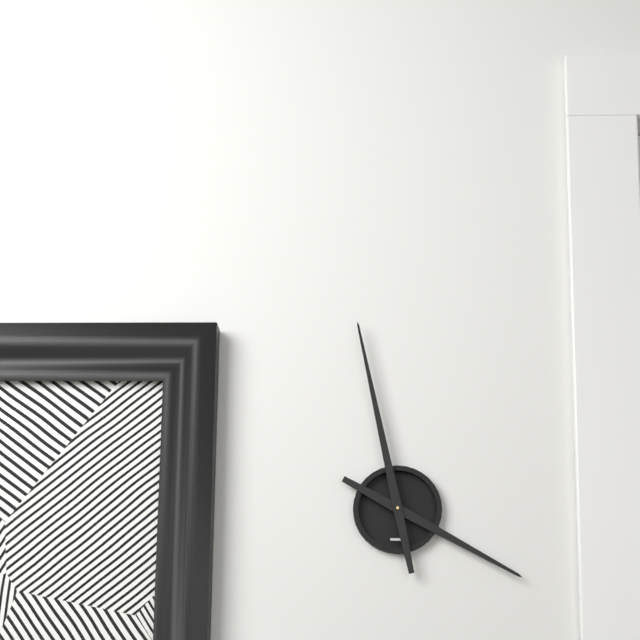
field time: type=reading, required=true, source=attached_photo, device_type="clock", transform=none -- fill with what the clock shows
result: 3:58
